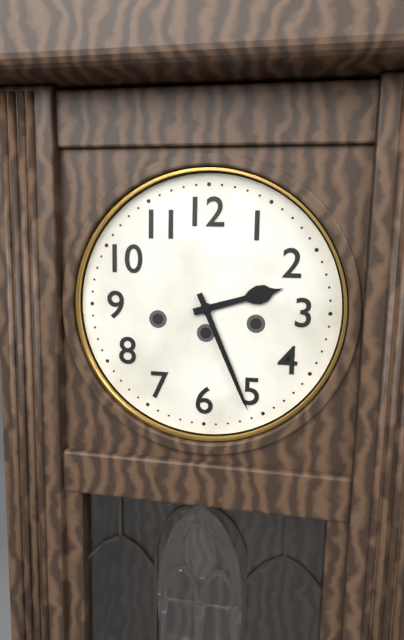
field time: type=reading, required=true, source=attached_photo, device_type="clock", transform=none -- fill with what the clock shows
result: 2:26
